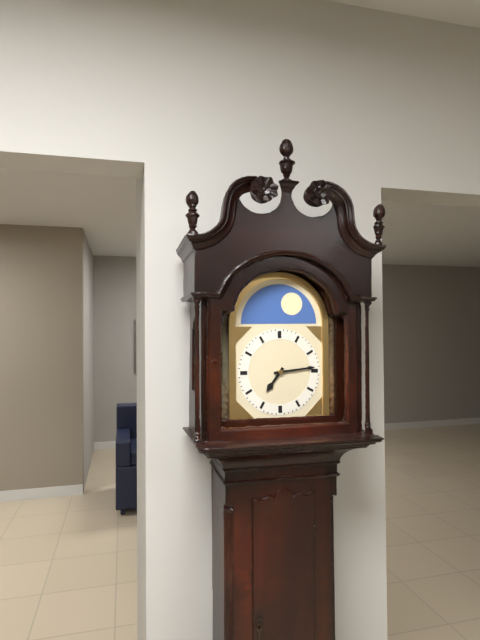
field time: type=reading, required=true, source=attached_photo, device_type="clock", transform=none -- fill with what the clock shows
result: 7:14
